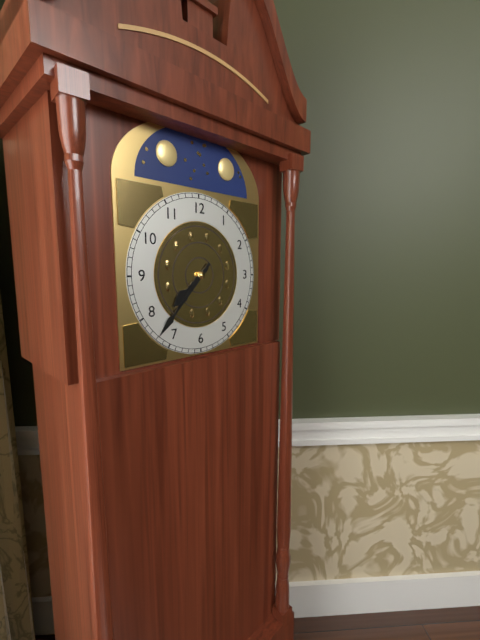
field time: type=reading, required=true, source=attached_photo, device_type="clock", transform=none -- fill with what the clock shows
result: 7:37
